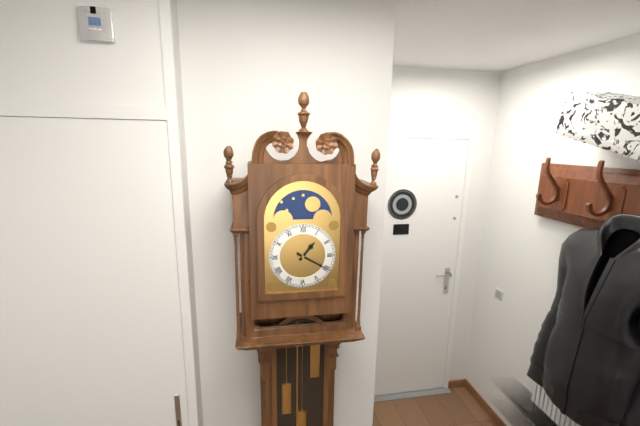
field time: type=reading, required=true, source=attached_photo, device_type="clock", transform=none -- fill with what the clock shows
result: 1:20
